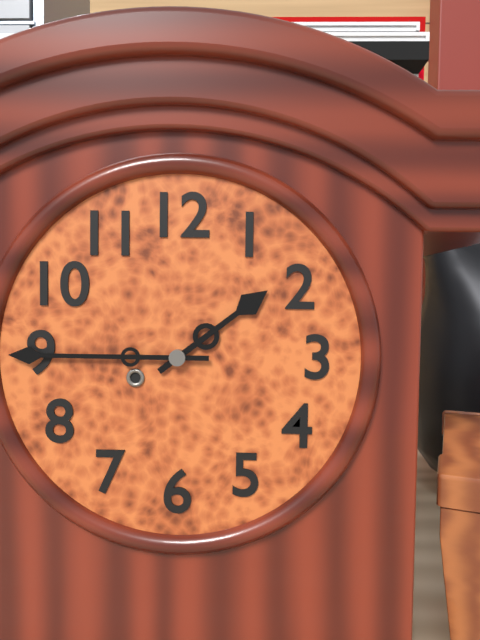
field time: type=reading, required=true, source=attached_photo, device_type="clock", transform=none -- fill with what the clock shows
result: 1:45
